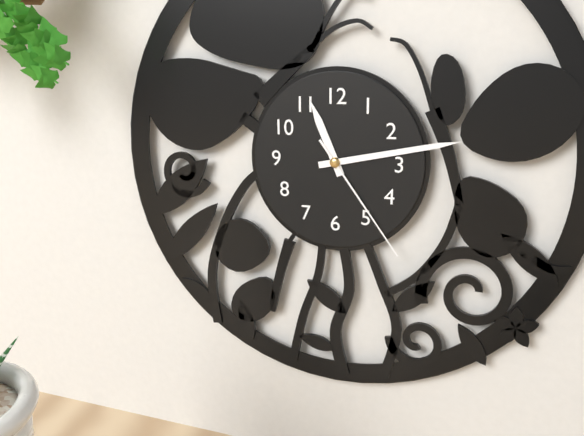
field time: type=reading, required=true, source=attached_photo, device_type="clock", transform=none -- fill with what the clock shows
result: 11:13:24
